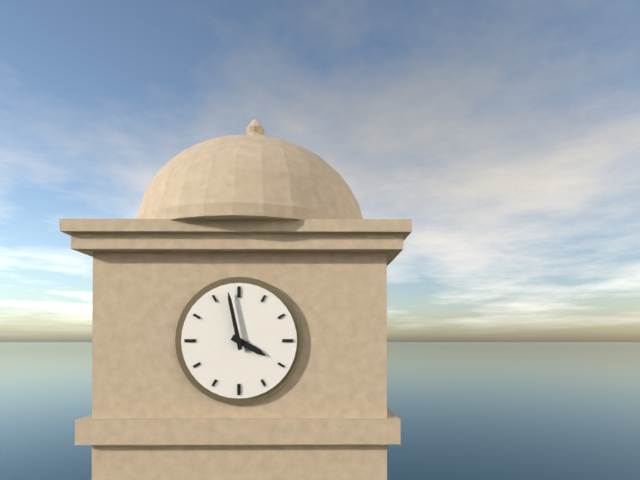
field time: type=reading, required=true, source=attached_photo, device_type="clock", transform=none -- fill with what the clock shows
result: 3:58
